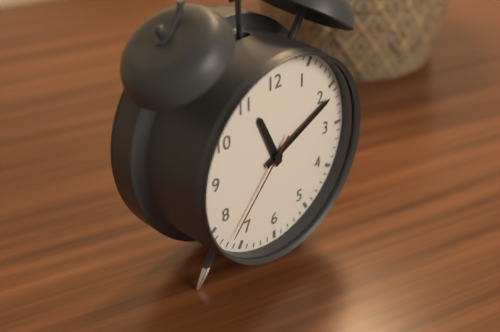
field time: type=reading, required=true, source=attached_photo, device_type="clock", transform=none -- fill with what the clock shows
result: 11:11:37
